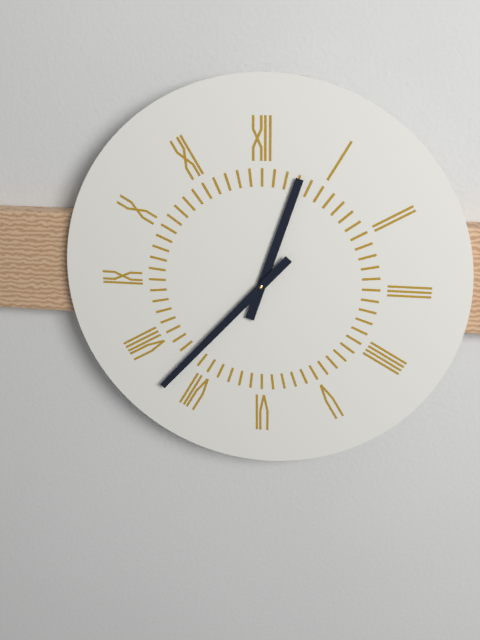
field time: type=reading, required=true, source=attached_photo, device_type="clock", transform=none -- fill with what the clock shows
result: 12:37
